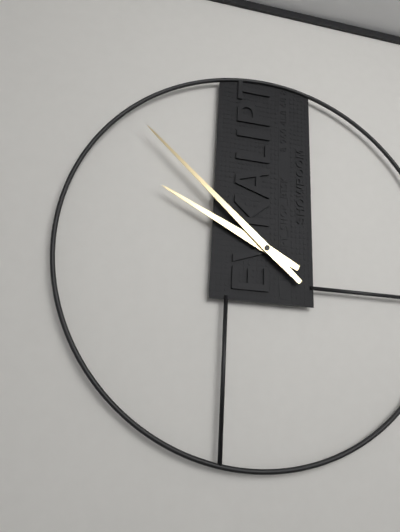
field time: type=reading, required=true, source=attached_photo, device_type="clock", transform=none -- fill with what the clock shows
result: 9:52
